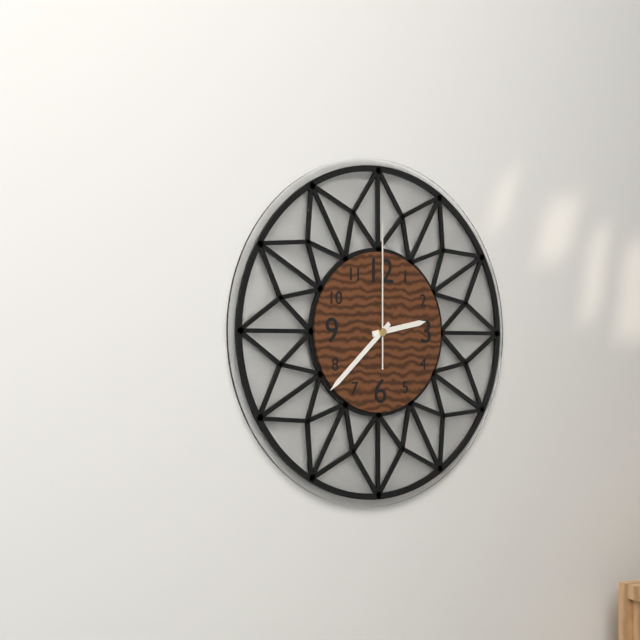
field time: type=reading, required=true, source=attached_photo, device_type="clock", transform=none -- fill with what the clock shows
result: 2:38:00
